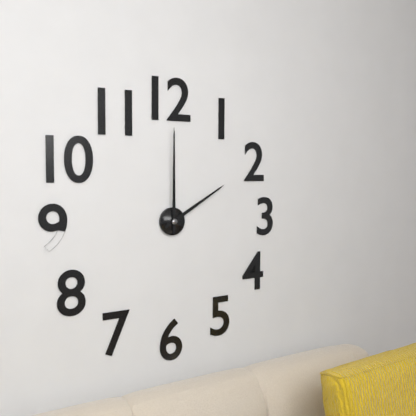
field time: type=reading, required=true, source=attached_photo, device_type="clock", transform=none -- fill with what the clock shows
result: 2:00
